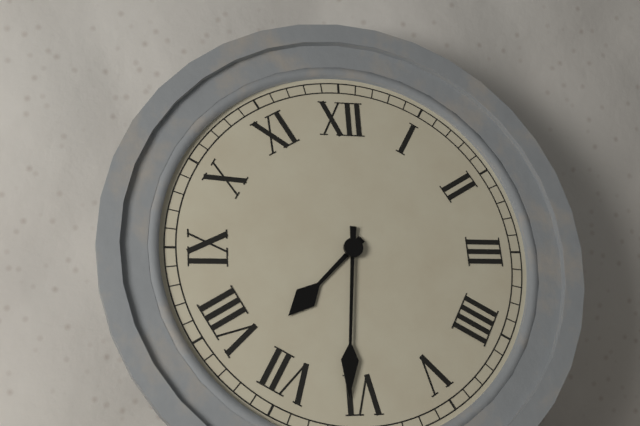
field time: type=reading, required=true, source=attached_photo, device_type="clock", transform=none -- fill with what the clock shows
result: 7:31
